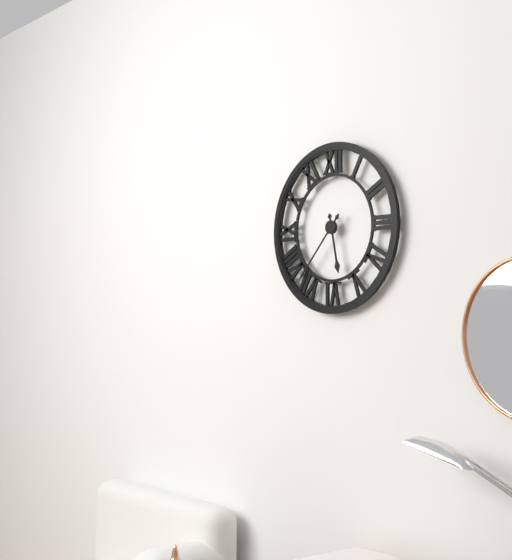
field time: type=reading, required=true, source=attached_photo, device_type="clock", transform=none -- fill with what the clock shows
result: 5:37
